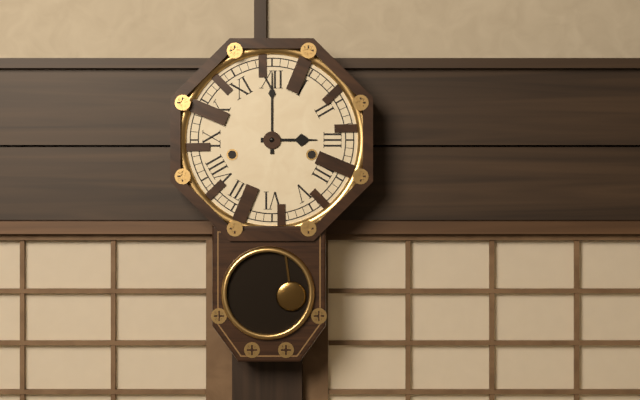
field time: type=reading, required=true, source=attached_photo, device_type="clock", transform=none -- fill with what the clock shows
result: 3:00
